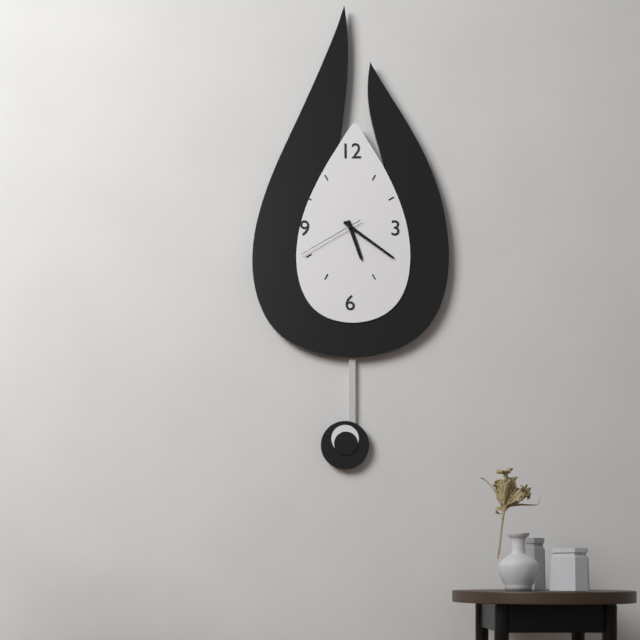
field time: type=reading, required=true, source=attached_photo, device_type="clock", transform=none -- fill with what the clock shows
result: 5:21:40
